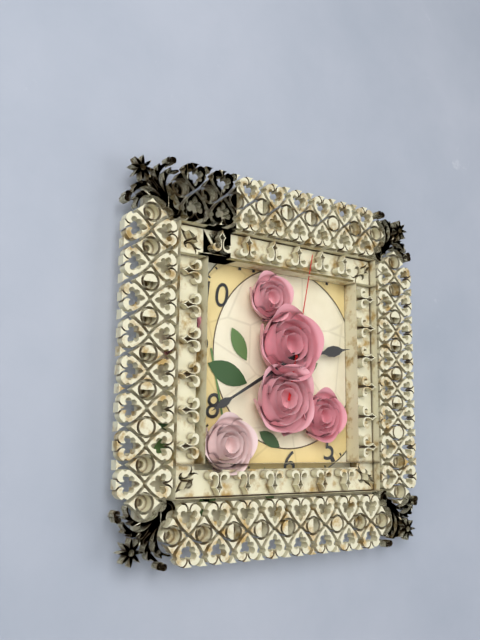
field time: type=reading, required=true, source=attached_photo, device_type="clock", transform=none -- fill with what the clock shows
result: 2:40:02
